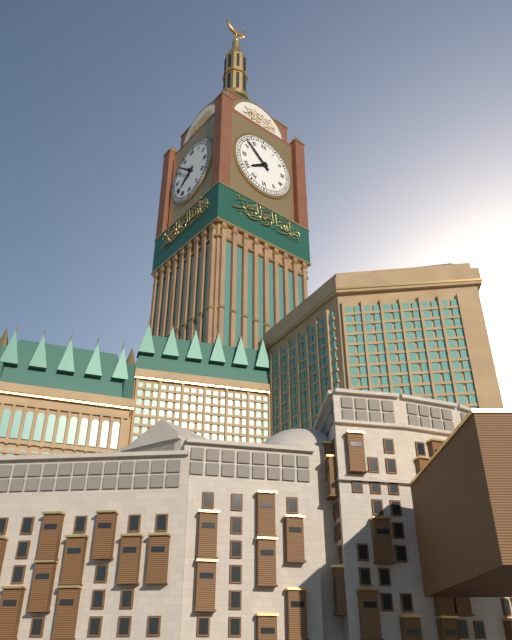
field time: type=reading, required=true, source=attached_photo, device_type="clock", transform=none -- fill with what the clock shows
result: 7:52
